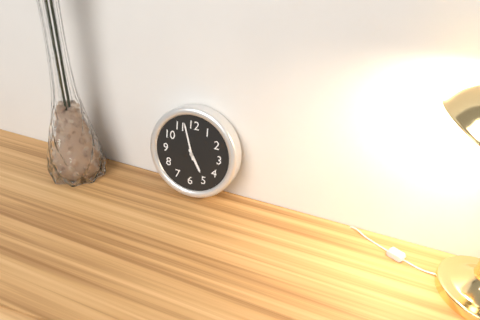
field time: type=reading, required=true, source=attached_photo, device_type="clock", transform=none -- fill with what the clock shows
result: 4:57
